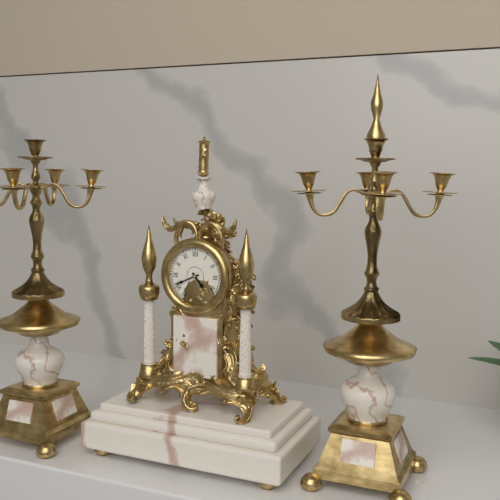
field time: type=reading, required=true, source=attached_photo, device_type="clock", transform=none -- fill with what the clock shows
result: 4:41
